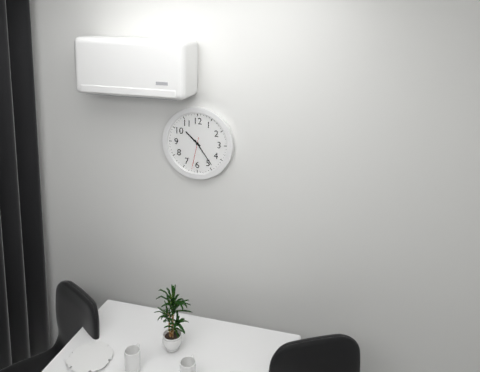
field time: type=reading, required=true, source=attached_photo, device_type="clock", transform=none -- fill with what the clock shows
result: 10:24
